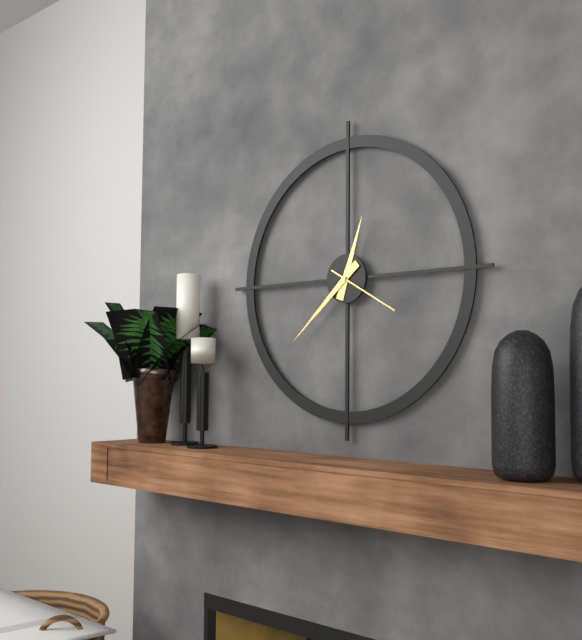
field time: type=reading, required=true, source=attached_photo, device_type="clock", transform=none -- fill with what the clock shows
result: 12:38:20
